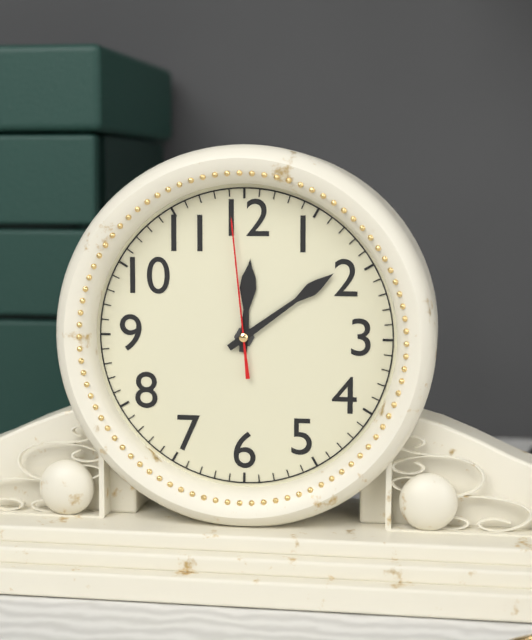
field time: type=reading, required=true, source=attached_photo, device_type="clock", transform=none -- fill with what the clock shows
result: 12:09:59
